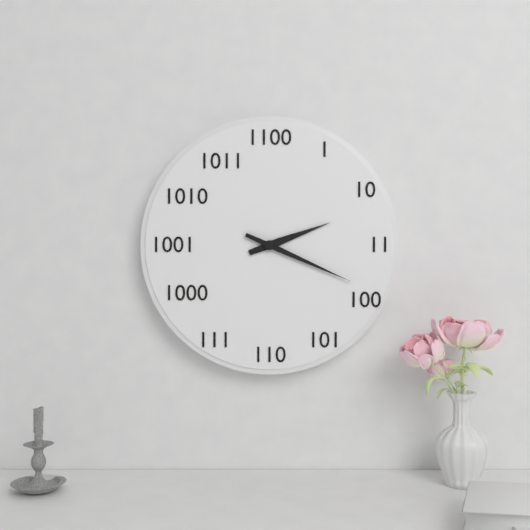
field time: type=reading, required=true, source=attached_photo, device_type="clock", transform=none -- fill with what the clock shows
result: 2:19
